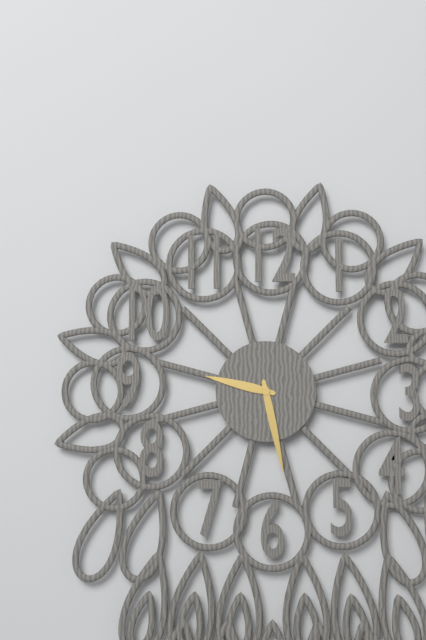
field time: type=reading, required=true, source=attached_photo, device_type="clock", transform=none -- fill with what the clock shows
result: 9:28
